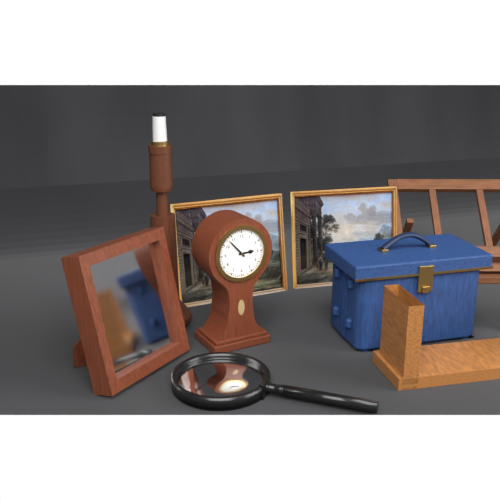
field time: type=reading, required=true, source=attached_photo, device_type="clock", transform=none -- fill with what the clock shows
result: 2:53
